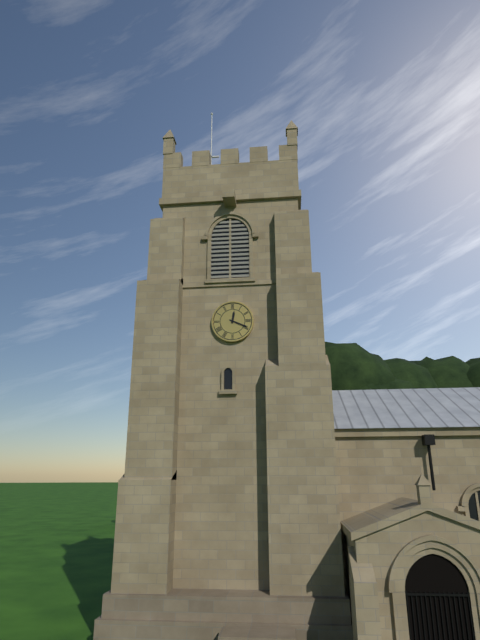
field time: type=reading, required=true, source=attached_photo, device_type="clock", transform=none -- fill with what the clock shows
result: 12:19
